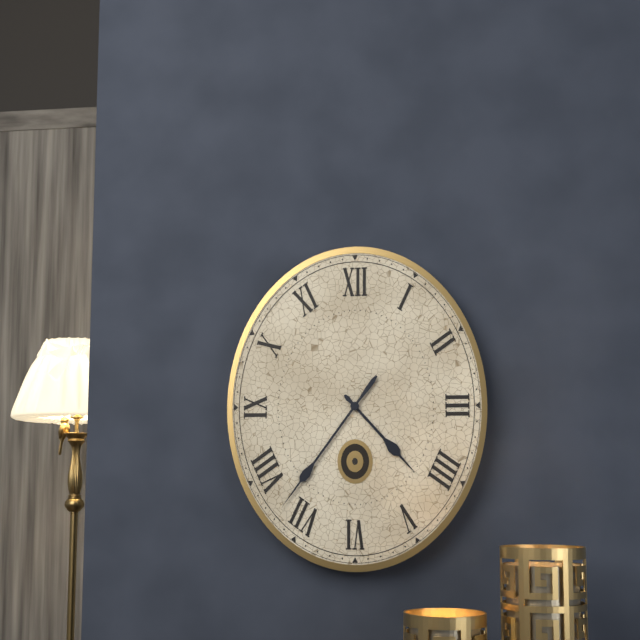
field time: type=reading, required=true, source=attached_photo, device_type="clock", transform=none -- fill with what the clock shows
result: 4:36
